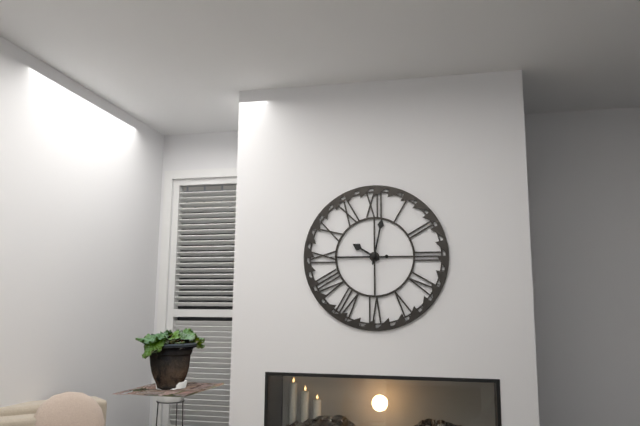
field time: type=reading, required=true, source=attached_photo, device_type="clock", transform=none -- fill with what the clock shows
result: 10:02:45
